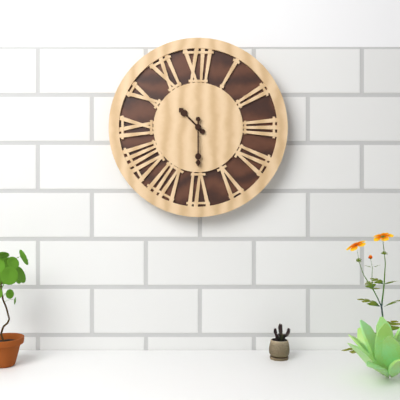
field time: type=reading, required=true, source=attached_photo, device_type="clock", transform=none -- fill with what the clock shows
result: 10:30
